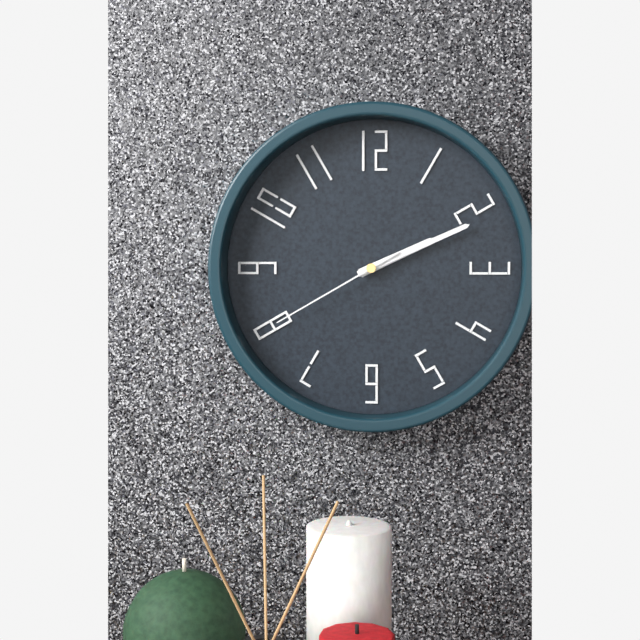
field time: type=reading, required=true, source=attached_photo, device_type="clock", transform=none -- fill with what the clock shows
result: 2:11:40
